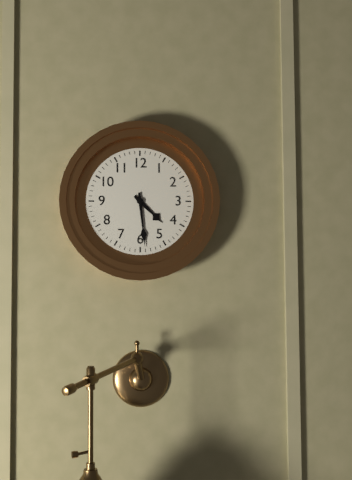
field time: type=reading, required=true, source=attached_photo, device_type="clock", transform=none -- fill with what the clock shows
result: 4:29
